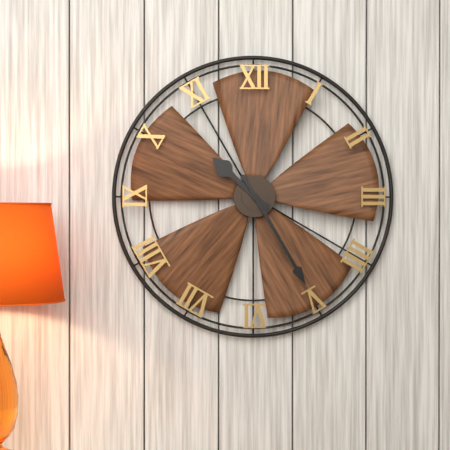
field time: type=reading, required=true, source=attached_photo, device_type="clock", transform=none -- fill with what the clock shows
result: 10:25
